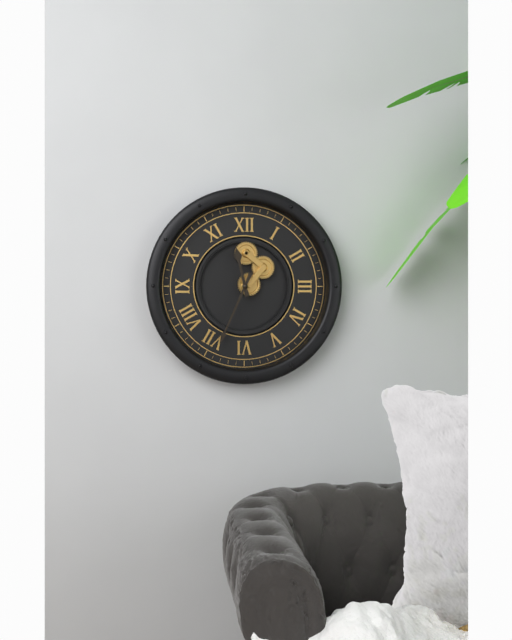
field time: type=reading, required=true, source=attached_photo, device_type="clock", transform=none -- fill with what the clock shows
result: 11:34
